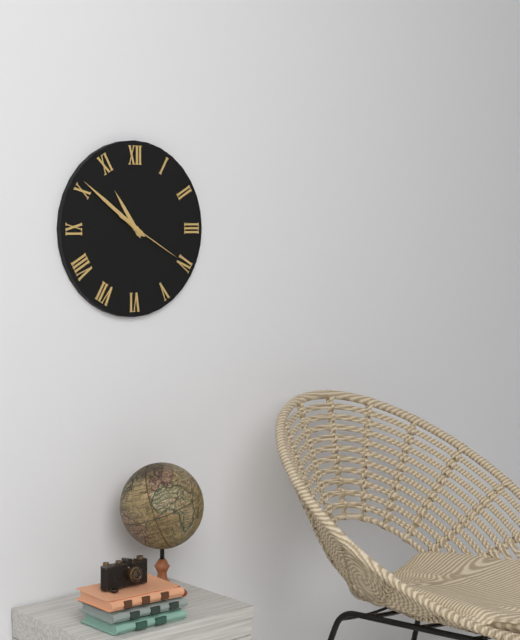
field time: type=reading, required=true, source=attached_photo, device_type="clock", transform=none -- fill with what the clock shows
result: 10:51:20
